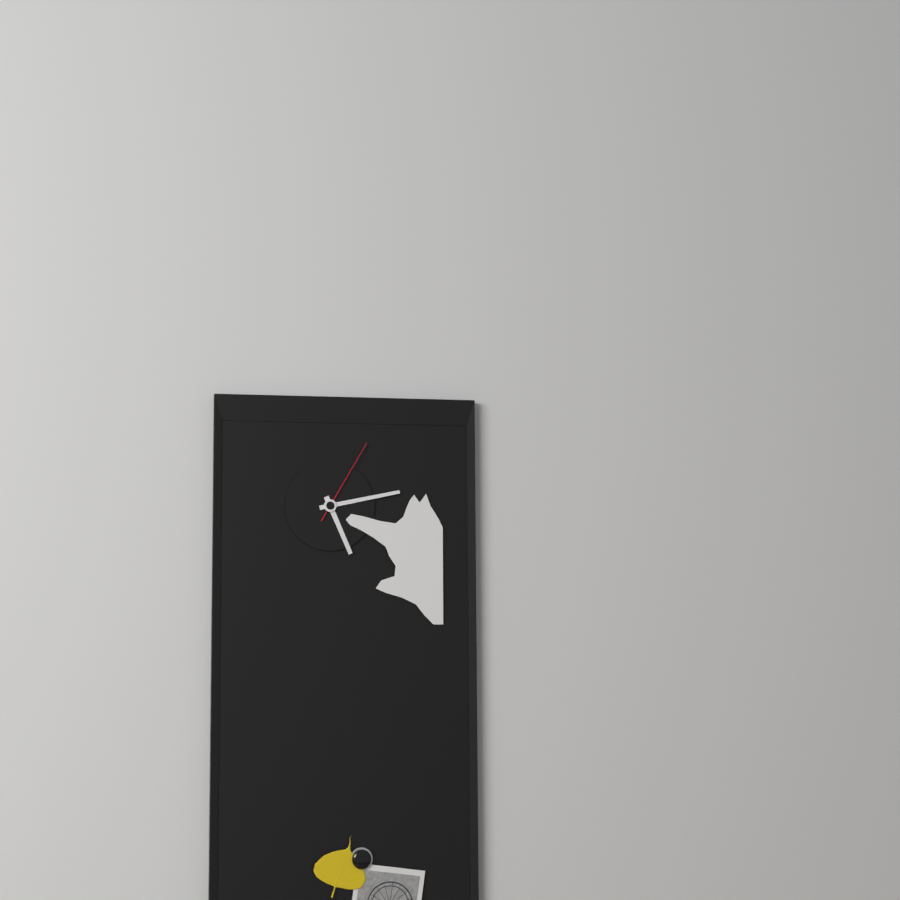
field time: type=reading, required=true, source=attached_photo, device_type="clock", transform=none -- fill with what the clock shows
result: 5:13:05
